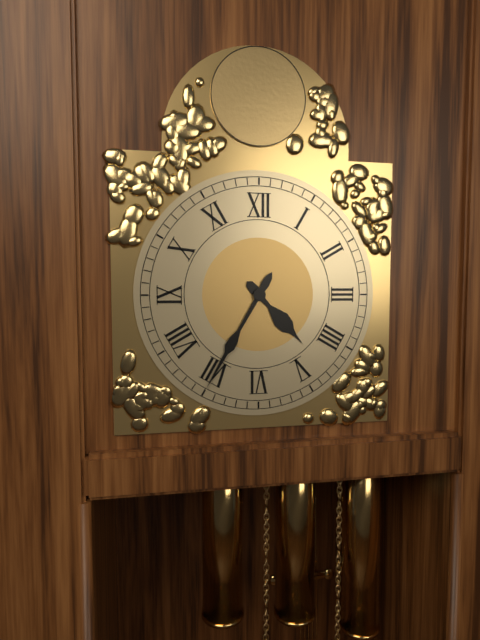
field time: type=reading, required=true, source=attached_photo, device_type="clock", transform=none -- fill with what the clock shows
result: 4:35
